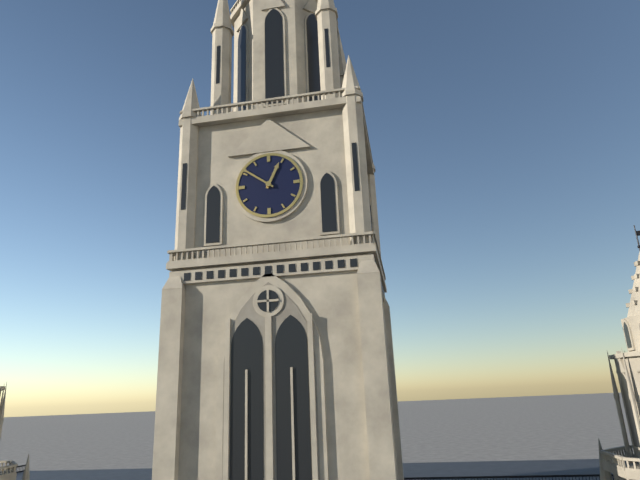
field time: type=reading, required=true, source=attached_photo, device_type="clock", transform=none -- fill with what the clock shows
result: 12:51
